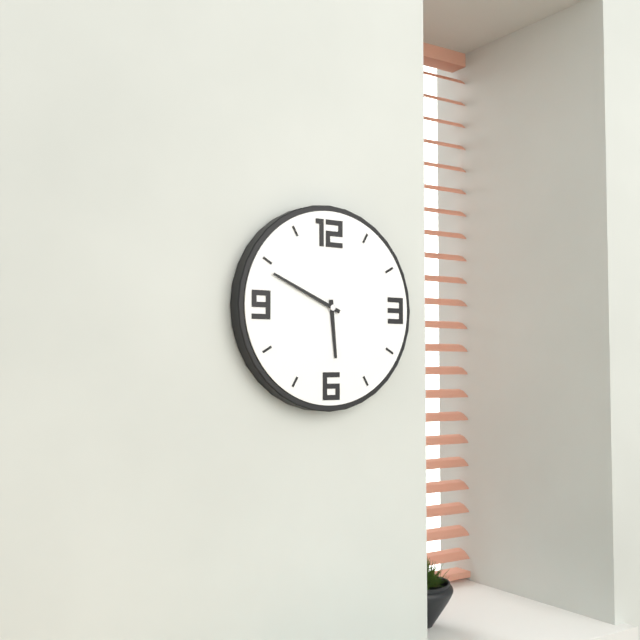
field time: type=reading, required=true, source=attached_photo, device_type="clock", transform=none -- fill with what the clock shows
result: 5:49
